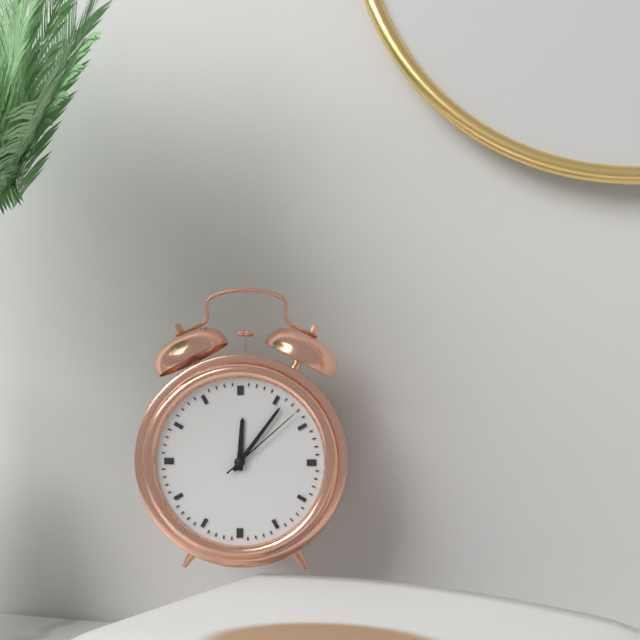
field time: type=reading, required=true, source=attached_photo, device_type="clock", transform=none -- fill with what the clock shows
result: 12:06:08
